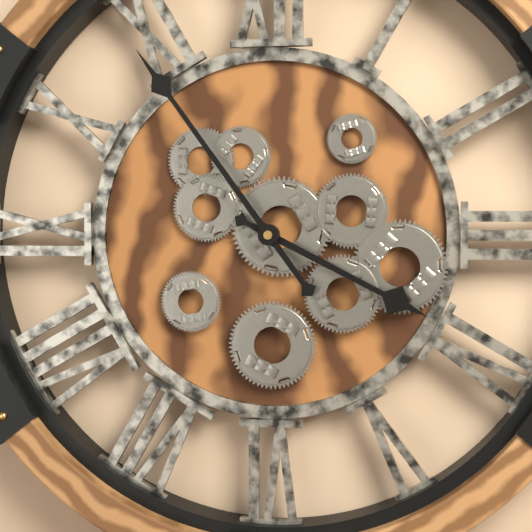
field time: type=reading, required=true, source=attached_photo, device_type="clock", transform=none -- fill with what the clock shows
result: 3:54
